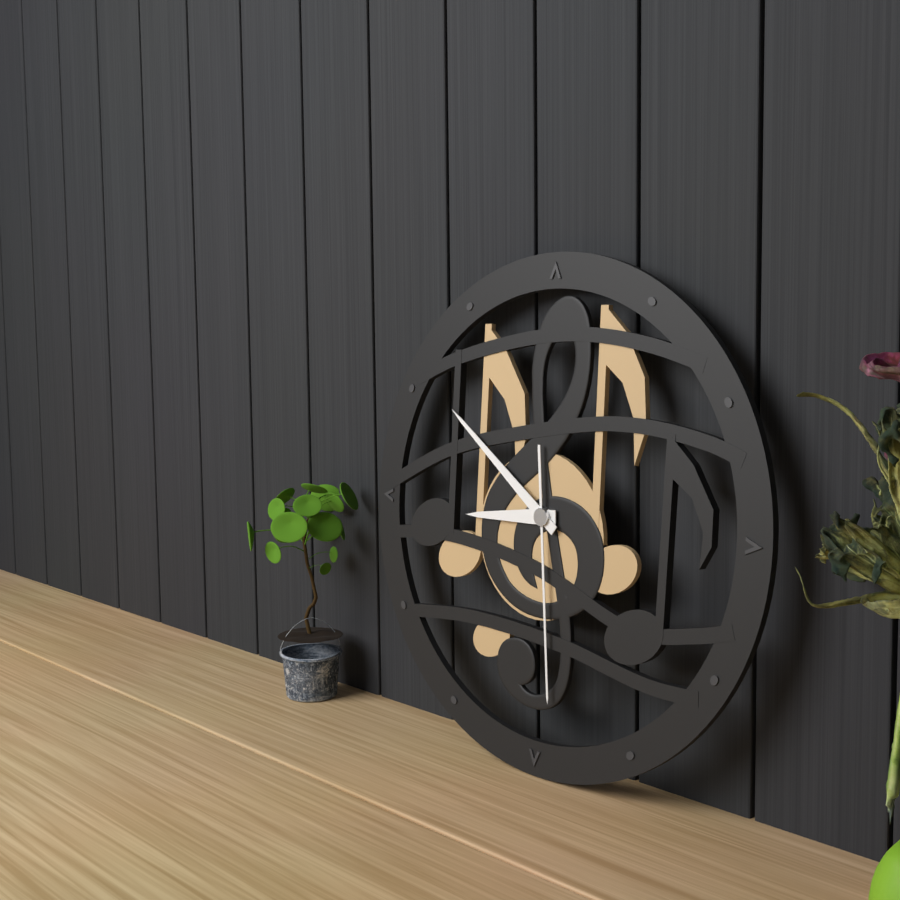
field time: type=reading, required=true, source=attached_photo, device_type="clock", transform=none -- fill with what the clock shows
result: 8:51:29
